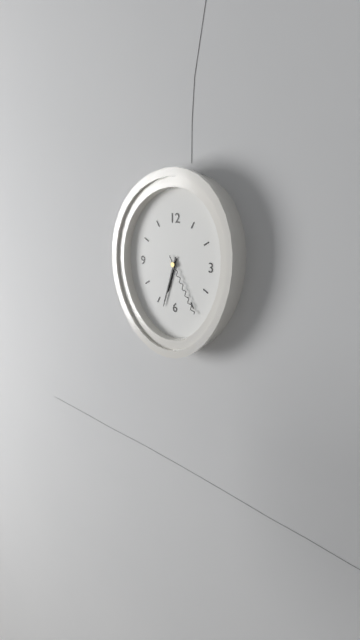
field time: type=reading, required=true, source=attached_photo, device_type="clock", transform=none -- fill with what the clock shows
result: 6:33:25
